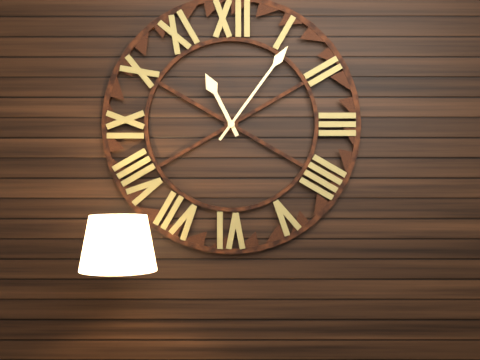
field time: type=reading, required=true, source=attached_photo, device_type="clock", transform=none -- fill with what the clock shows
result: 11:06
